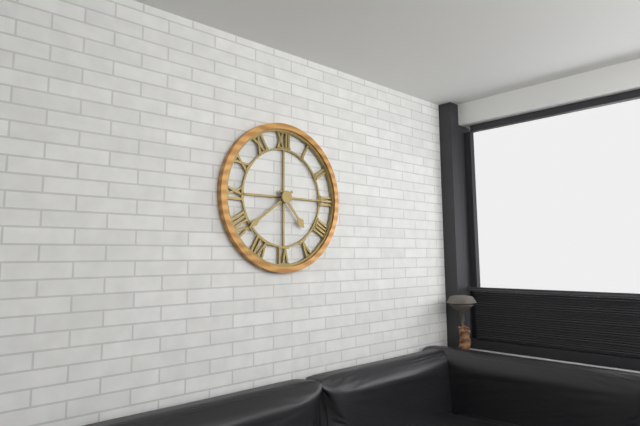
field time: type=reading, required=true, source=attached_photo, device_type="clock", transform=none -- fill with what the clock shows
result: 4:39
